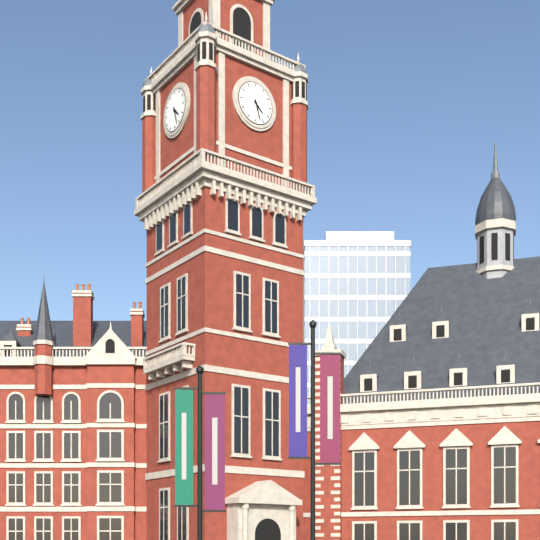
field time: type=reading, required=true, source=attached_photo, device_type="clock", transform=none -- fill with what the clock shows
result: 4:27
